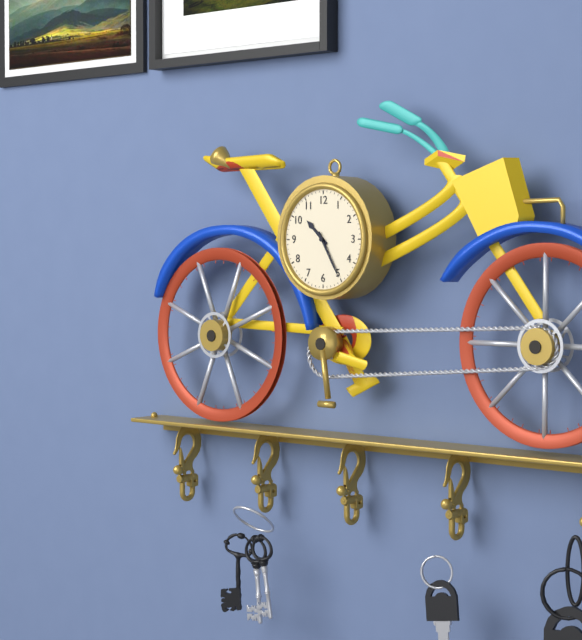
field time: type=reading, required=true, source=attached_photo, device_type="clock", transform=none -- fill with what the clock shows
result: 10:25
